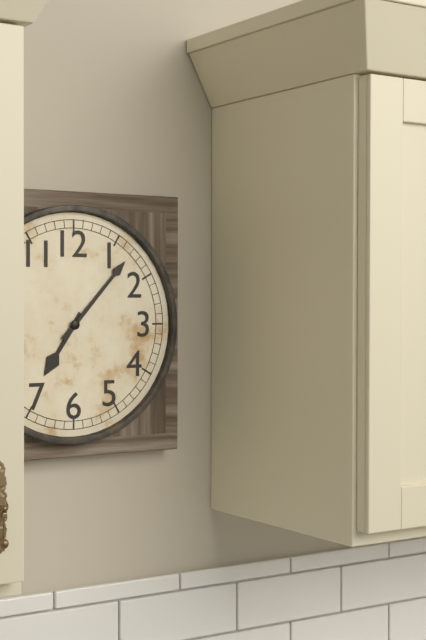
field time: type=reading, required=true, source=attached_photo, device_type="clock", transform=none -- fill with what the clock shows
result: 7:07
